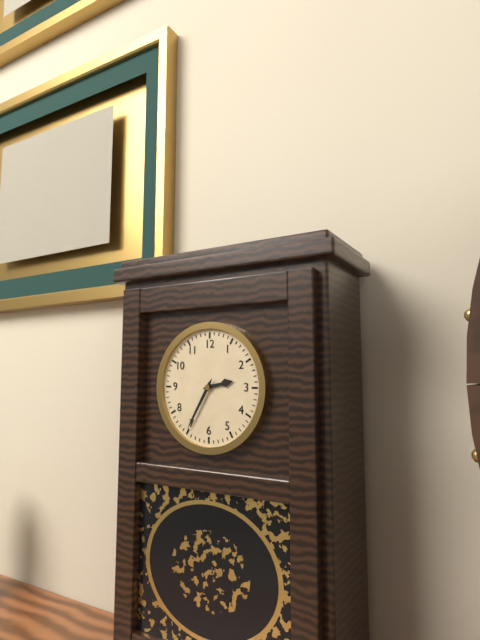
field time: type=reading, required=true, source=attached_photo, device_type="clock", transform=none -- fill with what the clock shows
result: 2:35
